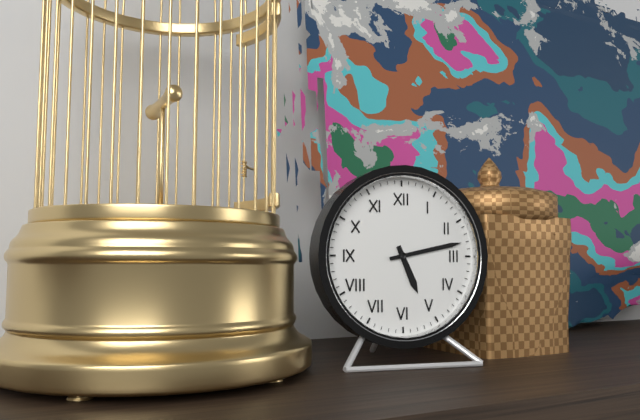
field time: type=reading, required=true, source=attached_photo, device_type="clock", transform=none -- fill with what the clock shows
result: 5:13
